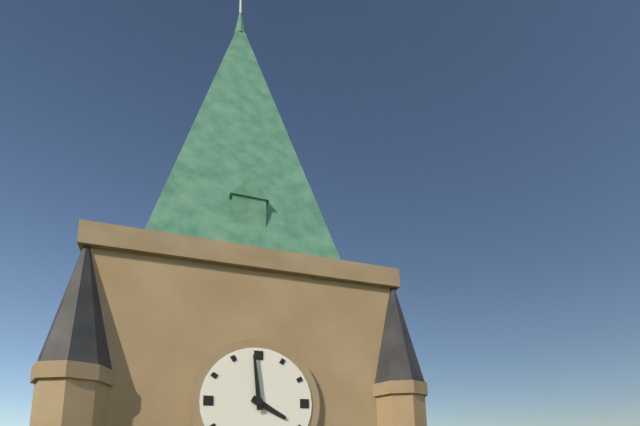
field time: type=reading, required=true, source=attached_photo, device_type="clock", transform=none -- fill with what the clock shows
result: 3:59
